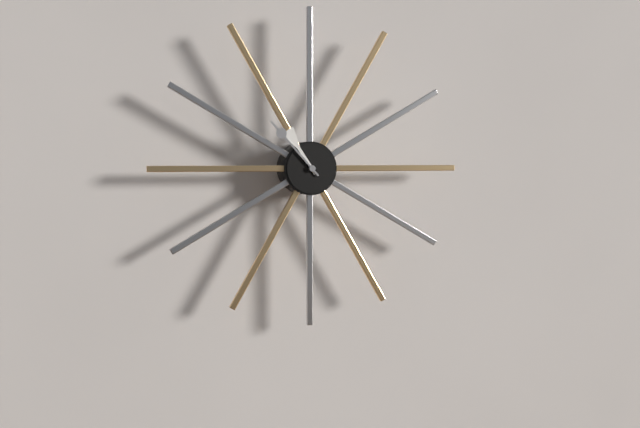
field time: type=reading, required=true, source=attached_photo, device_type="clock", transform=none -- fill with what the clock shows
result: 10:53
